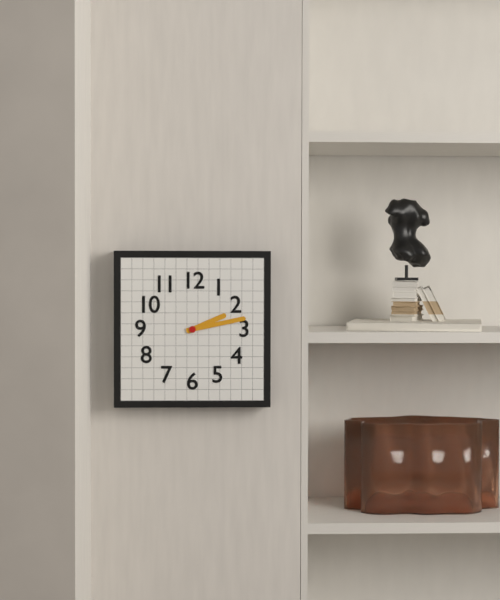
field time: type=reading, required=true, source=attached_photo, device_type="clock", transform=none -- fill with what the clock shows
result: 2:13
